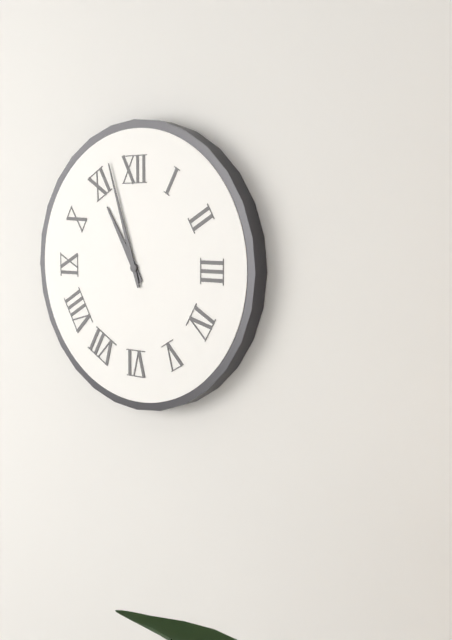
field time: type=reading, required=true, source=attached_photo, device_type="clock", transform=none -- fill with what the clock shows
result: 10:57
